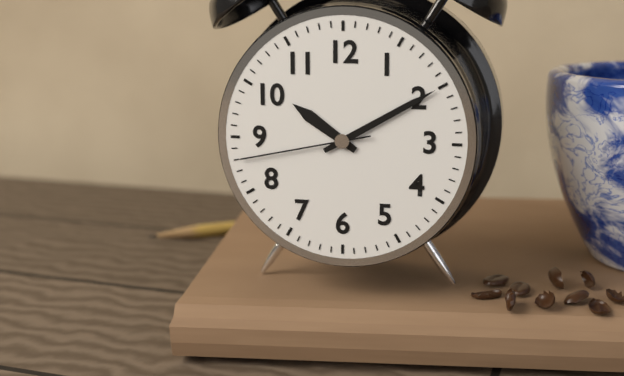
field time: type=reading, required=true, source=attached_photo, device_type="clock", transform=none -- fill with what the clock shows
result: 10:10:43
